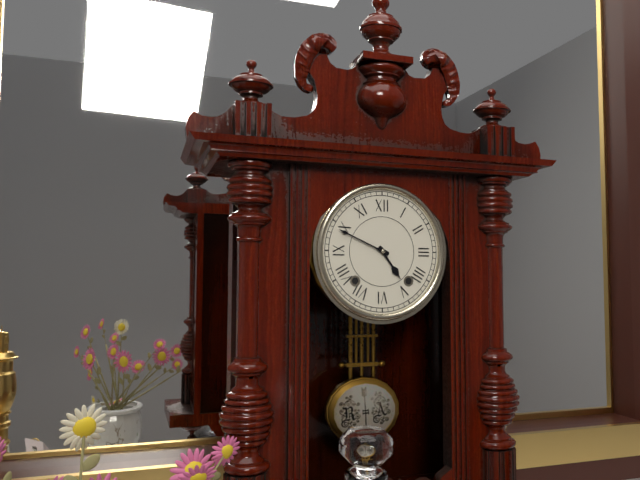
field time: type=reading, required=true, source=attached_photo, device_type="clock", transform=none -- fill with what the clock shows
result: 4:49
